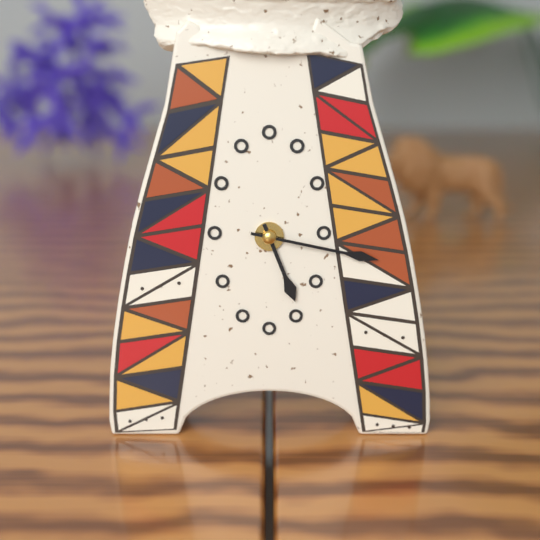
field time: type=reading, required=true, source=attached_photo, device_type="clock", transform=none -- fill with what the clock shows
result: 5:17
